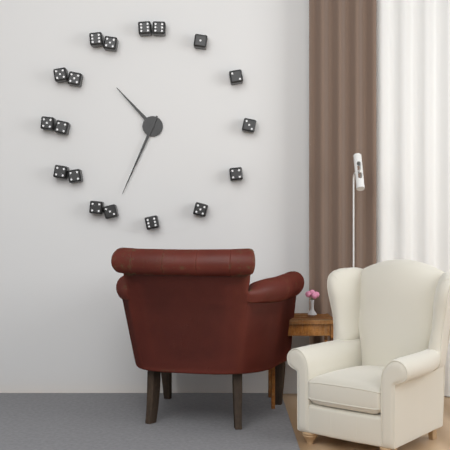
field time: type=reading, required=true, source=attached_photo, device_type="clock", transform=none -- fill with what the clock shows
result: 10:34
